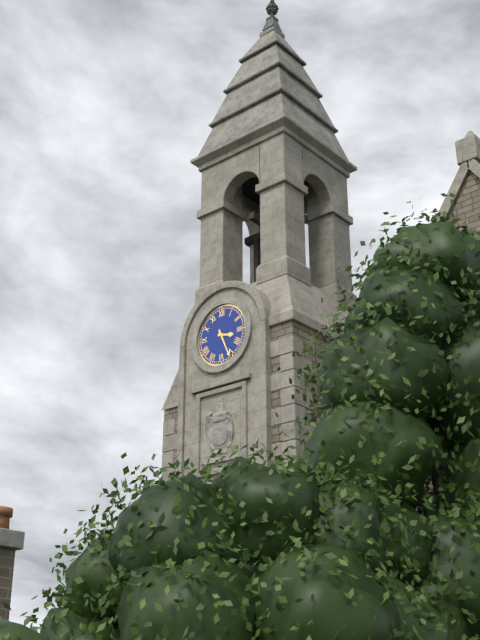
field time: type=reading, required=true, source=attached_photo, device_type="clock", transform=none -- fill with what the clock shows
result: 3:26
